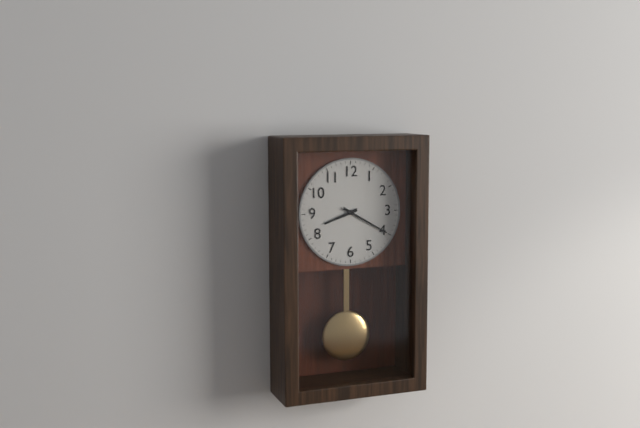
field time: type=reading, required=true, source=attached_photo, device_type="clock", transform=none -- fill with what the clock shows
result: 8:20
